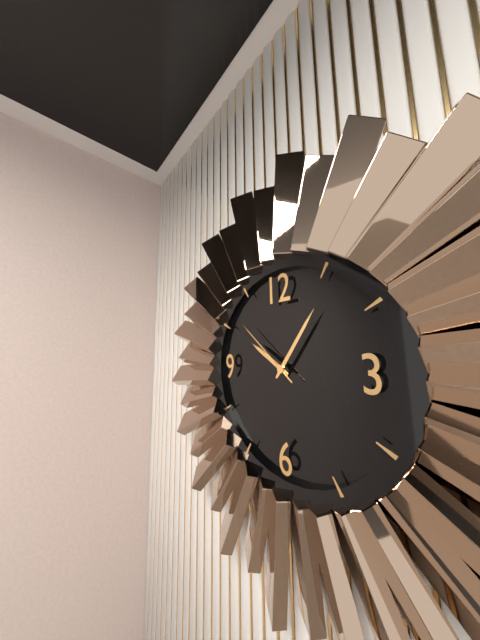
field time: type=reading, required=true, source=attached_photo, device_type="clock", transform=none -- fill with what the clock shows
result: 10:06:52
